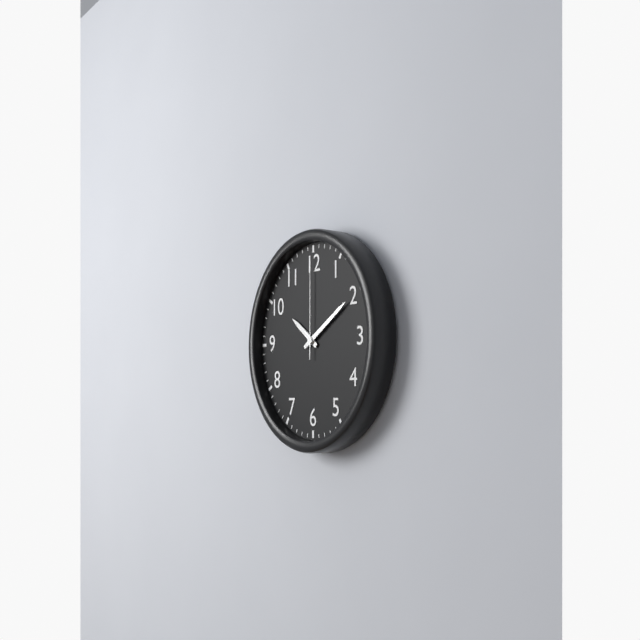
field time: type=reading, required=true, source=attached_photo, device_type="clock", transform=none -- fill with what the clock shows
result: 10:10:00
